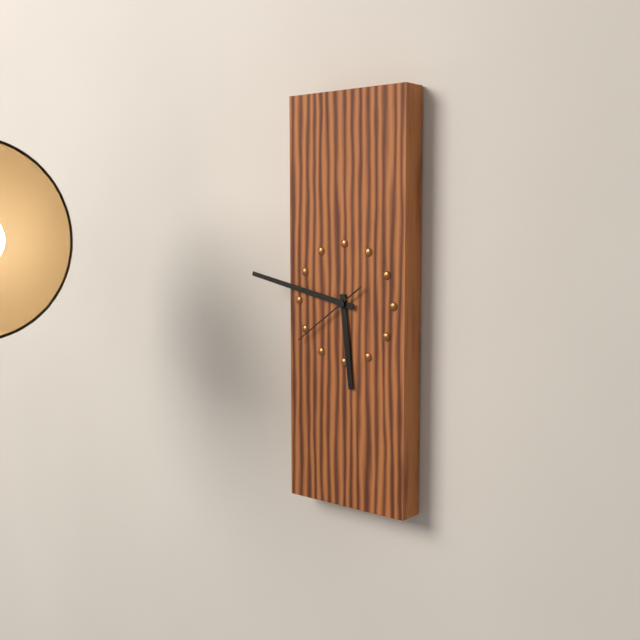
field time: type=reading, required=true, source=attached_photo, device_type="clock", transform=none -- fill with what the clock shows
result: 5:47:39
